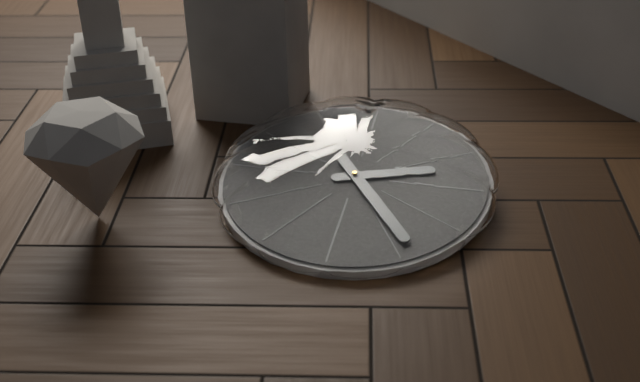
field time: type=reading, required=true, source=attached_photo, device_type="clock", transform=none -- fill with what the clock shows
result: 2:24
